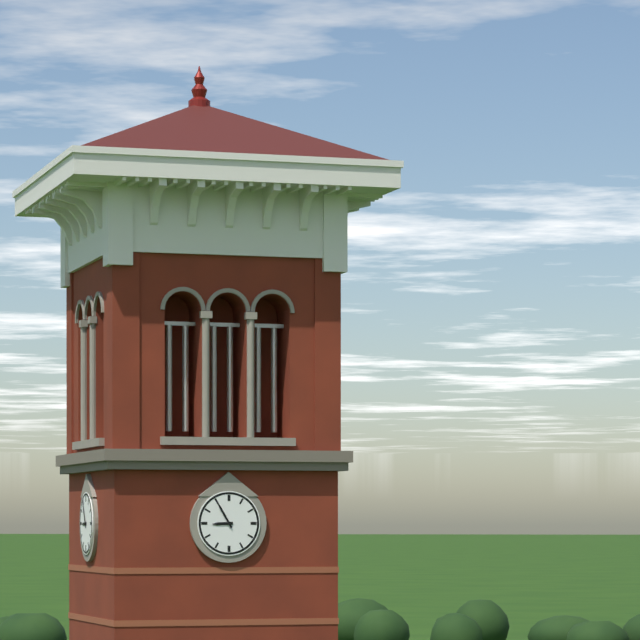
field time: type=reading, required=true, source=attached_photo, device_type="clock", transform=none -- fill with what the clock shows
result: 8:55
